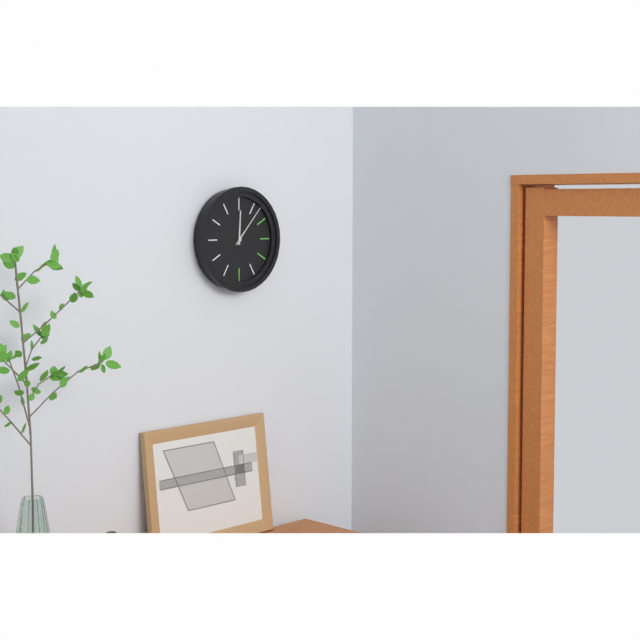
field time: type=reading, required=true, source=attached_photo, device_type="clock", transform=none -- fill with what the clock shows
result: 12:07
